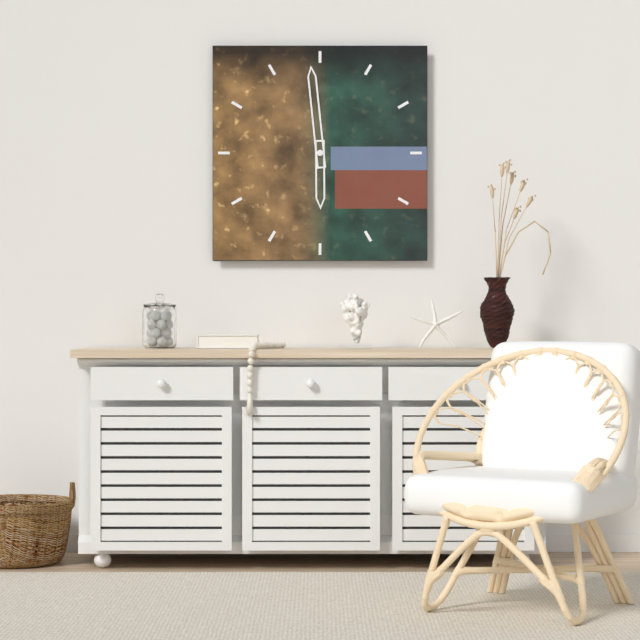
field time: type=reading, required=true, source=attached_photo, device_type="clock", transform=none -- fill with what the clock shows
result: 5:59
